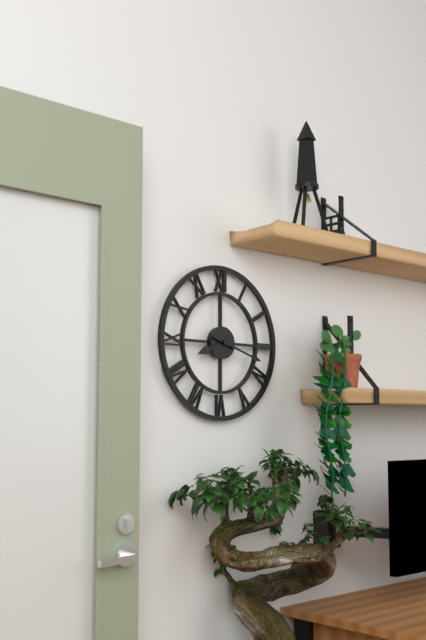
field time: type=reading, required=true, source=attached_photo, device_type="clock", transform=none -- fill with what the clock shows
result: 8:18
